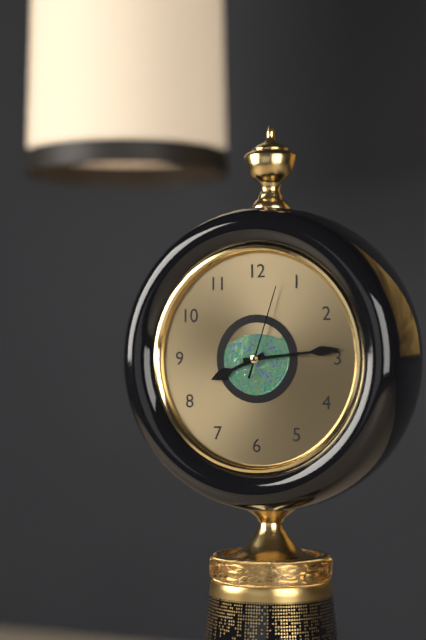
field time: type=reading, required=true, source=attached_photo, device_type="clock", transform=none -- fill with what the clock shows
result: 8:14:03
